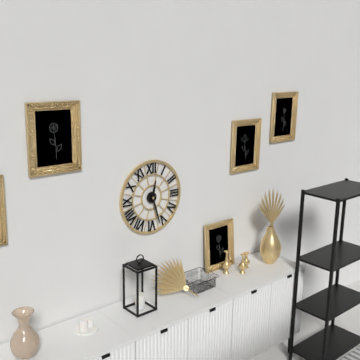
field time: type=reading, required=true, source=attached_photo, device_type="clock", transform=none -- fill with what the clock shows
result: 12:27
